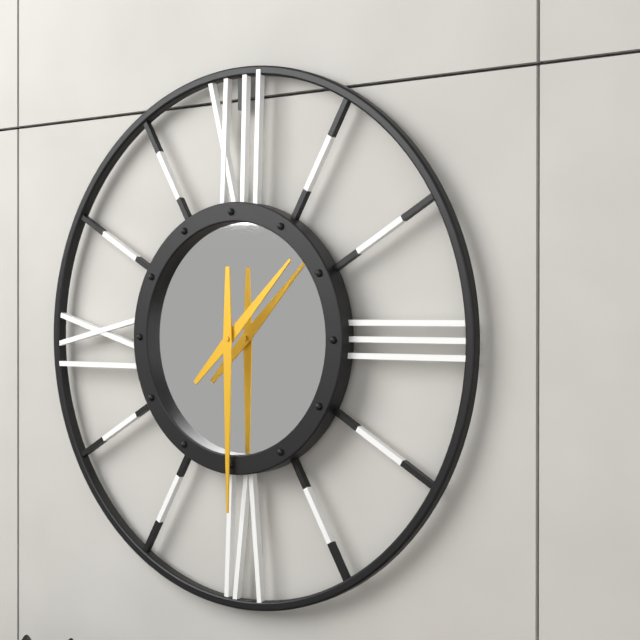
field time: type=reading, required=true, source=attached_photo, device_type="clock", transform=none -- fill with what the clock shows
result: 1:30
